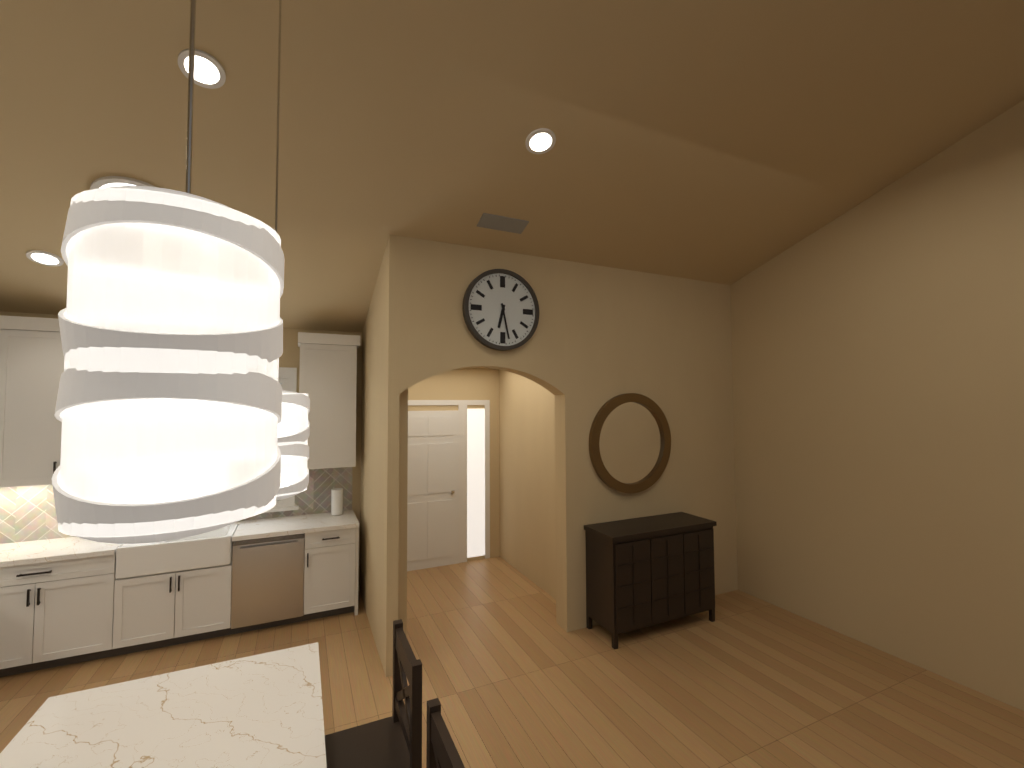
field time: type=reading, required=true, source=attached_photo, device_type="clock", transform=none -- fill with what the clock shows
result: 6:28
